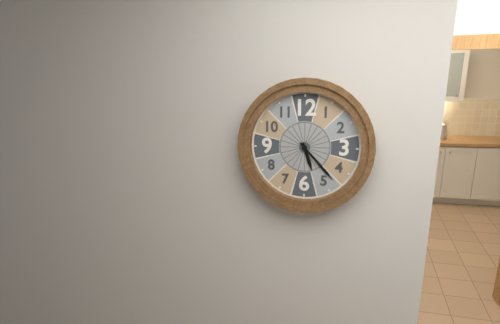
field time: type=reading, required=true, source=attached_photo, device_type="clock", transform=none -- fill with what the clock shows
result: 5:23
